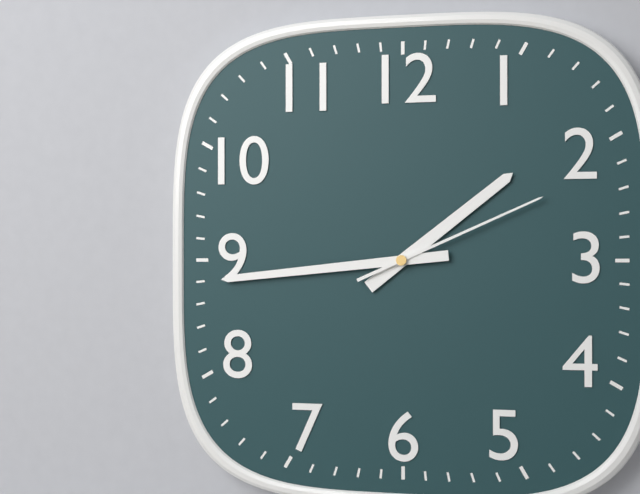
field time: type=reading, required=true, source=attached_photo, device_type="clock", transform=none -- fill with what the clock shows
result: 1:44:11
